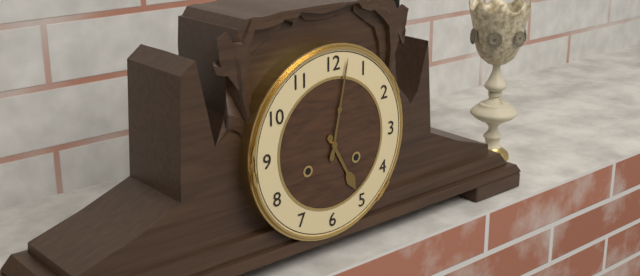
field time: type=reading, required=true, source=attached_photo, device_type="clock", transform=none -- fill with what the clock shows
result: 5:02
